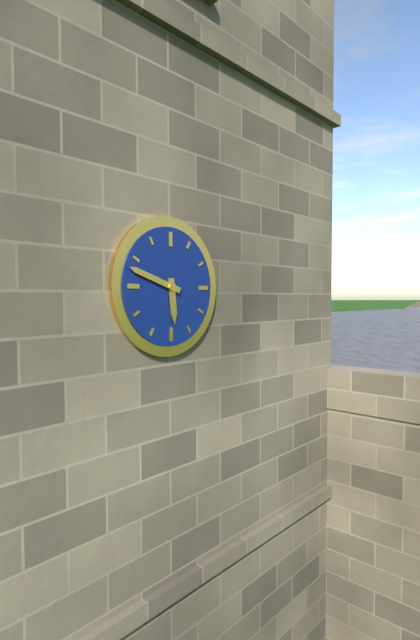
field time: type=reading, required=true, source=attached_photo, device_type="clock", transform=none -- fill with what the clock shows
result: 5:48
